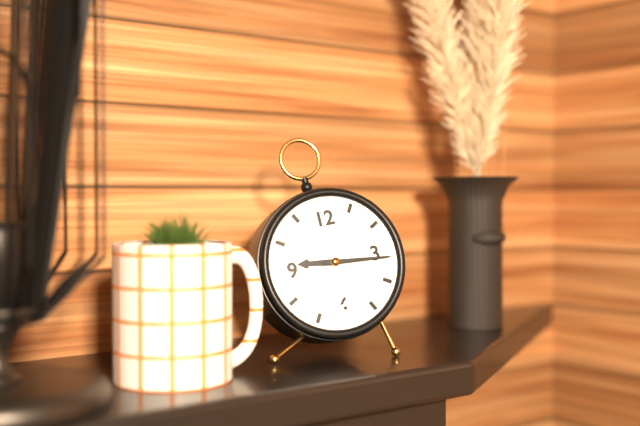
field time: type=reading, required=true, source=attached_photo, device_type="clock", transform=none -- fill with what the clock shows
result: 9:16
